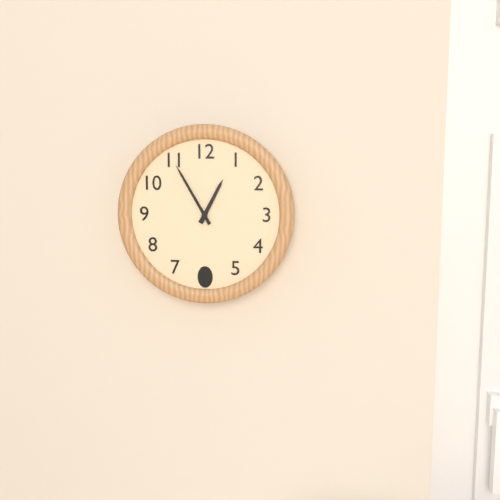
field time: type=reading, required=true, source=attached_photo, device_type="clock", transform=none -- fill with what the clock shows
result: 12:55
